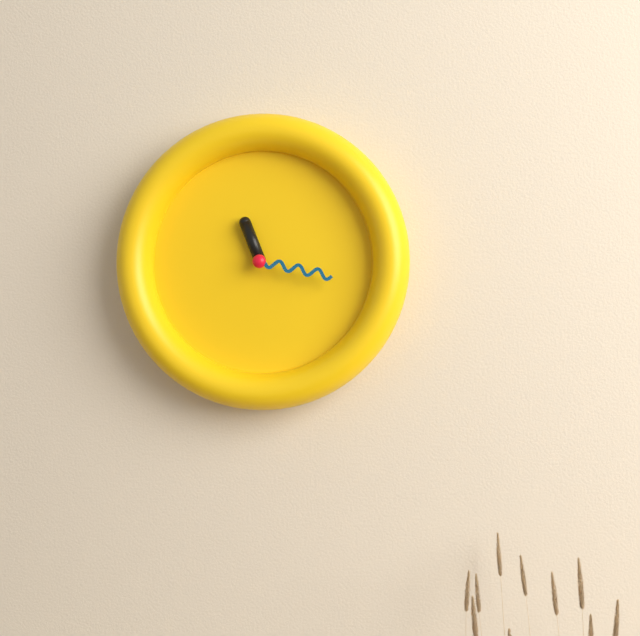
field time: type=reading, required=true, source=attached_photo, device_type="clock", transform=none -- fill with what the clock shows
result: 11:17
